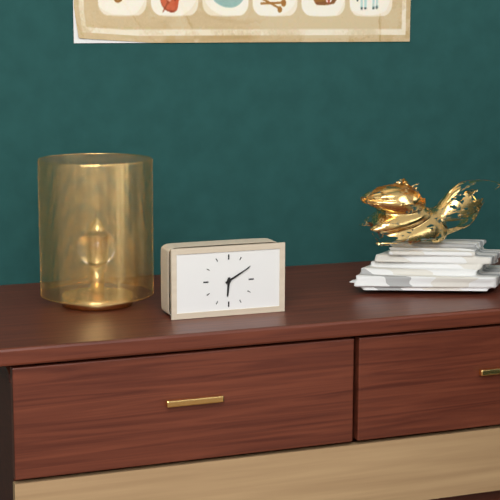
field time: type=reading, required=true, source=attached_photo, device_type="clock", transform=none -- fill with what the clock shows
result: 6:10
